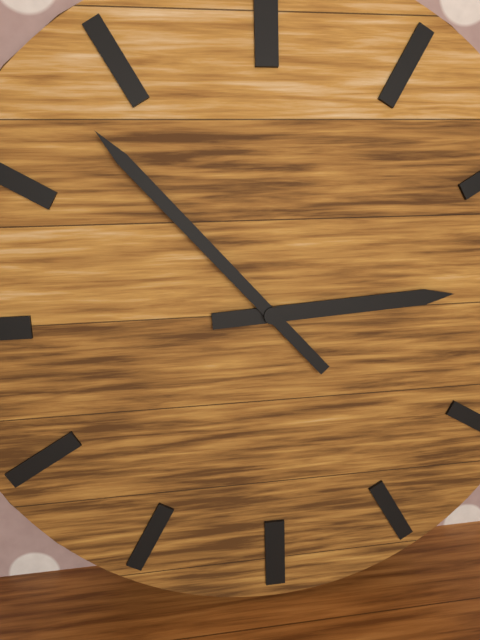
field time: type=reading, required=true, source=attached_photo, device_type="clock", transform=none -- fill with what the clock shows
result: 2:53
